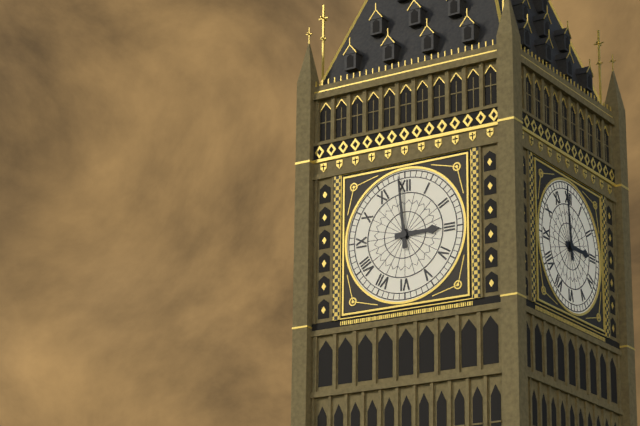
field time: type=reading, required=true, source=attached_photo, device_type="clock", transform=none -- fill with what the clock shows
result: 2:59
